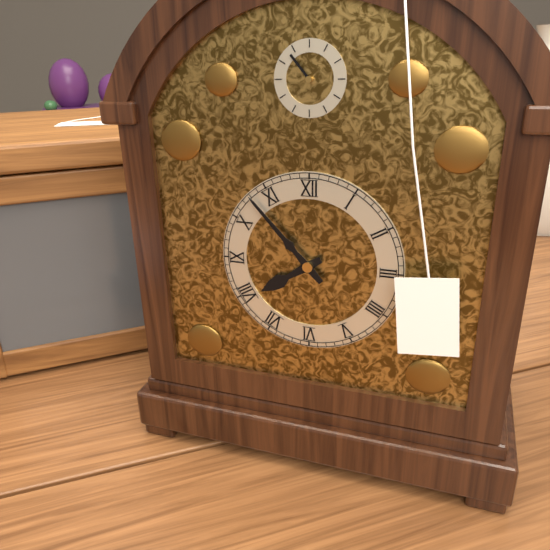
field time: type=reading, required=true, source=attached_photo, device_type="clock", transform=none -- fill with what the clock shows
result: 7:53
